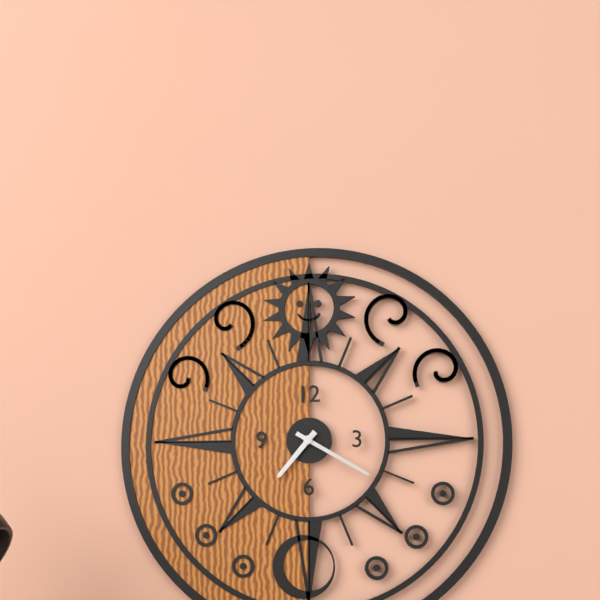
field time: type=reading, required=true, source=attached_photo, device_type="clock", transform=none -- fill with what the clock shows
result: 7:20
